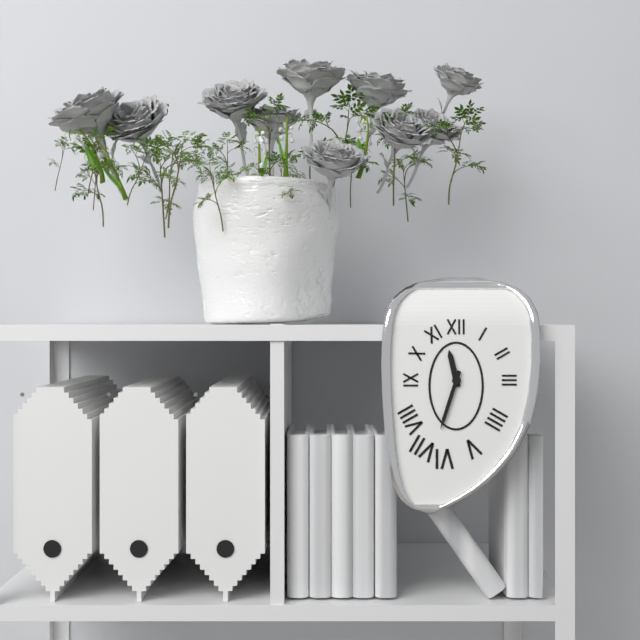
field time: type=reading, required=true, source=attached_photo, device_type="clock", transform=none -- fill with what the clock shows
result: 11:33
